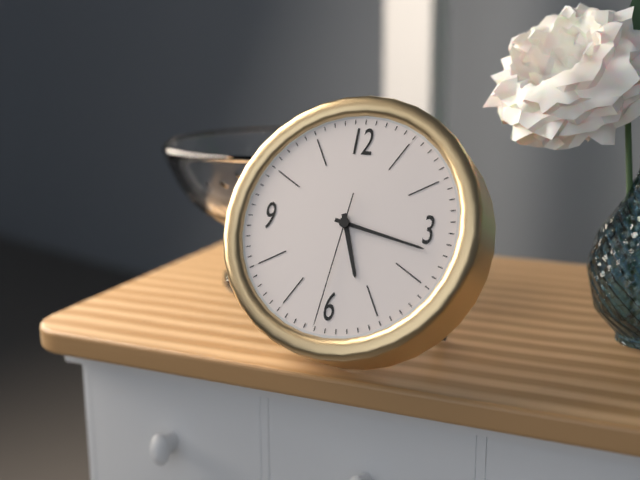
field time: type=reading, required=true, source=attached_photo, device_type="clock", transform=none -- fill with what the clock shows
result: 5:17:31
